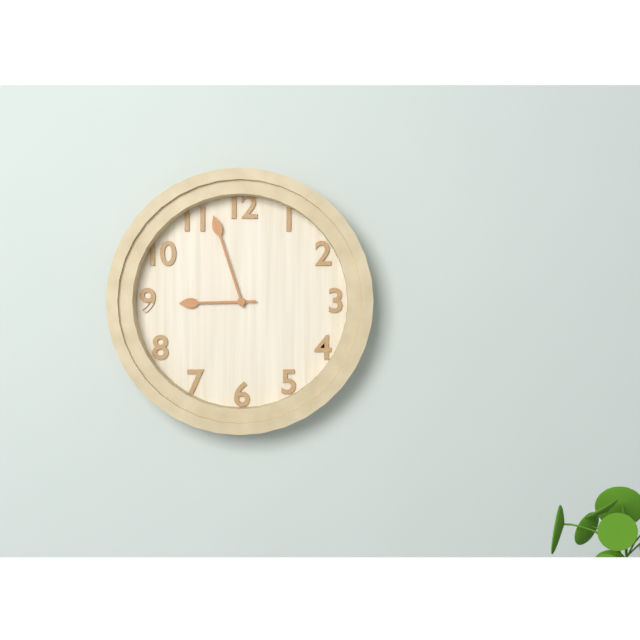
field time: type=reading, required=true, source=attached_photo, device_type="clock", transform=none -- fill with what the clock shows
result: 8:57
